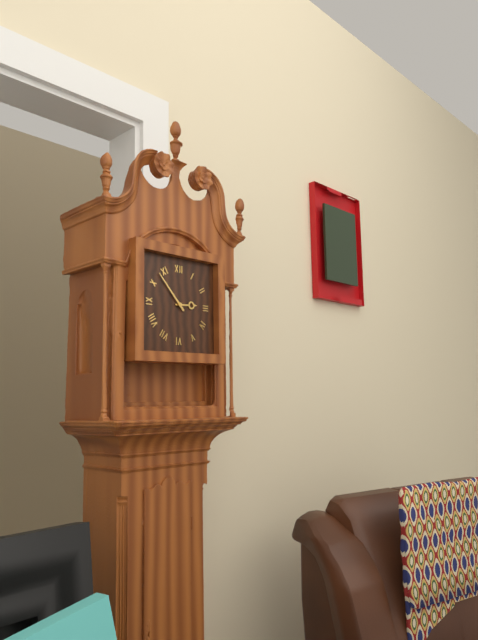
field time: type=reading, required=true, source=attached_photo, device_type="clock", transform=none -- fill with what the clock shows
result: 2:53
